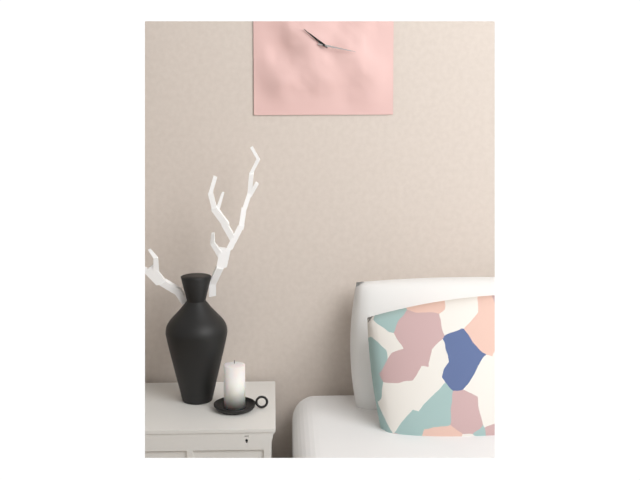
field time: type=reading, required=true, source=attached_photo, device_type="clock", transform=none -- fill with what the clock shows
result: 10:17
